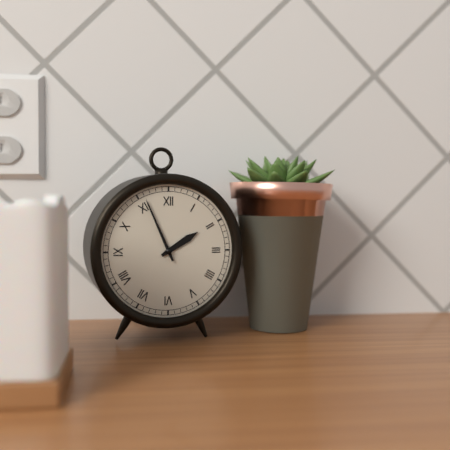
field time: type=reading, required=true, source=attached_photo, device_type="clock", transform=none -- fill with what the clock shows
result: 1:56
